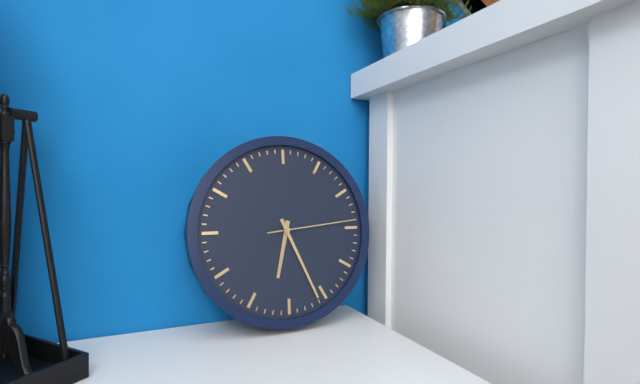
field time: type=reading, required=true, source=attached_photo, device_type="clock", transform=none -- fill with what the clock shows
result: 6:26:14
